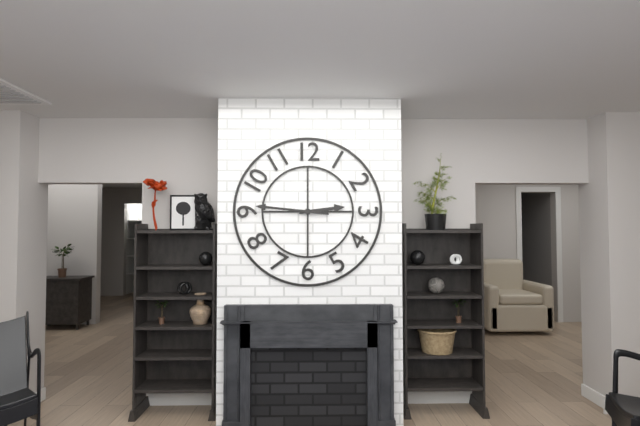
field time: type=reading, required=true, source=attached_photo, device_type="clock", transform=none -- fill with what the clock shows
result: 2:46
